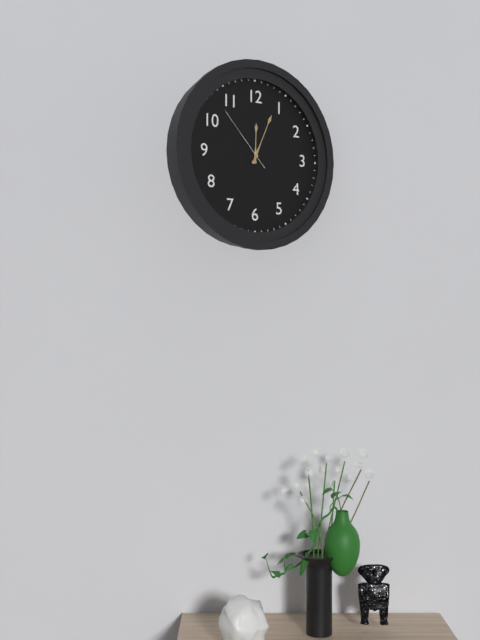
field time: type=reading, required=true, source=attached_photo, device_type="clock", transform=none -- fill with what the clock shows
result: 12:04:53
